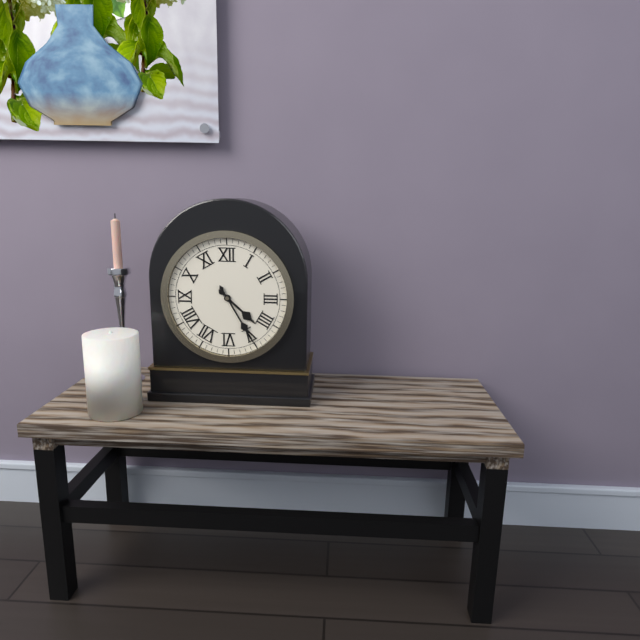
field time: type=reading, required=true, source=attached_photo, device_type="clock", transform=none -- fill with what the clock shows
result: 4:25
